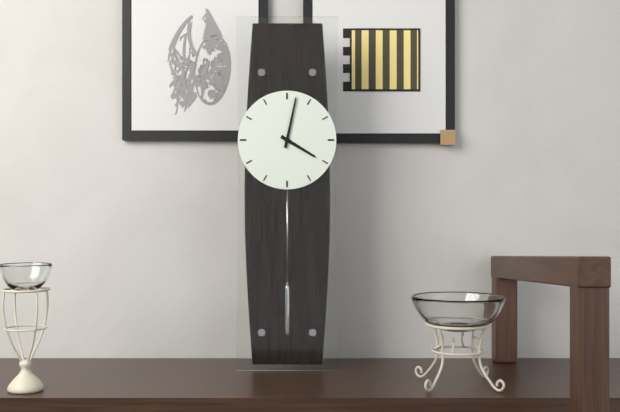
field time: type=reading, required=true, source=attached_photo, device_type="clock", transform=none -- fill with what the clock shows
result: 4:02
